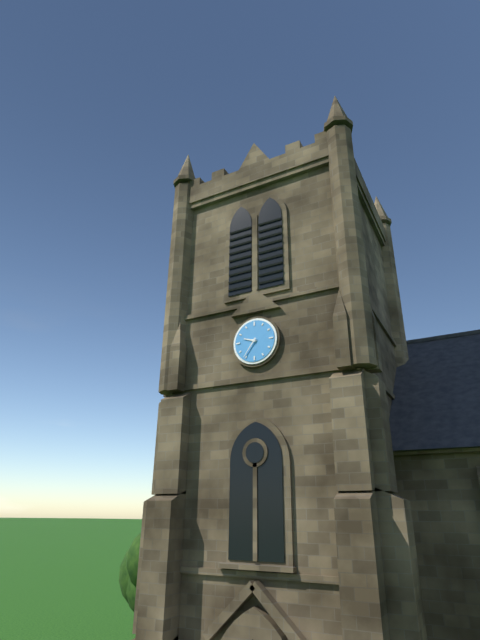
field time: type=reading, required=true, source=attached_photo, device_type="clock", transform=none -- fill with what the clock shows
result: 9:36
